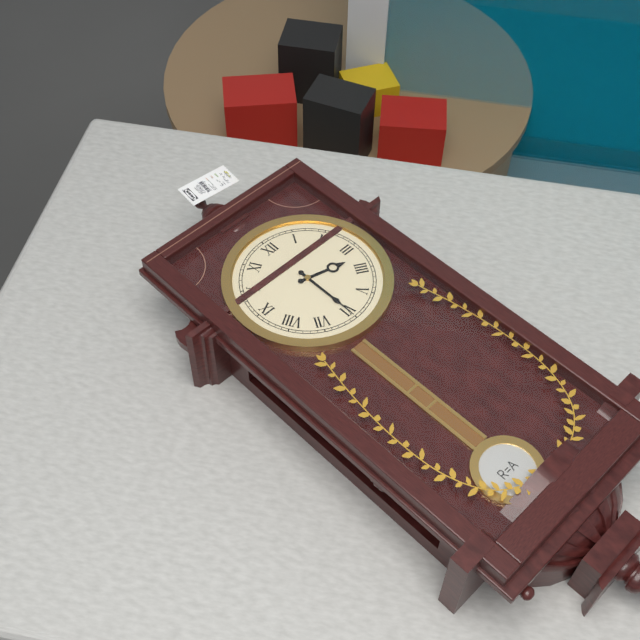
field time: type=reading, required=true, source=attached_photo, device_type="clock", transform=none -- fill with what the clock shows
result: 3:30
